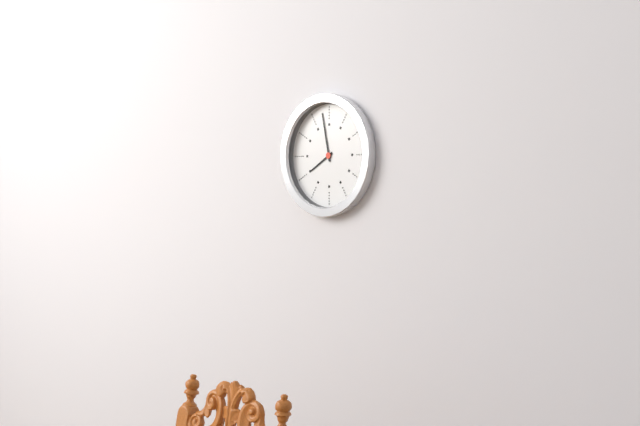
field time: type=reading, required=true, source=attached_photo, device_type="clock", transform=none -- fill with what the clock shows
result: 7:58
